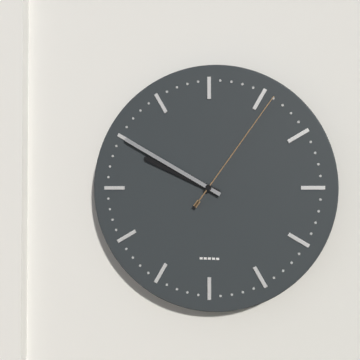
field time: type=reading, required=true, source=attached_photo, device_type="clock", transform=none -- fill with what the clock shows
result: 9:50:06
